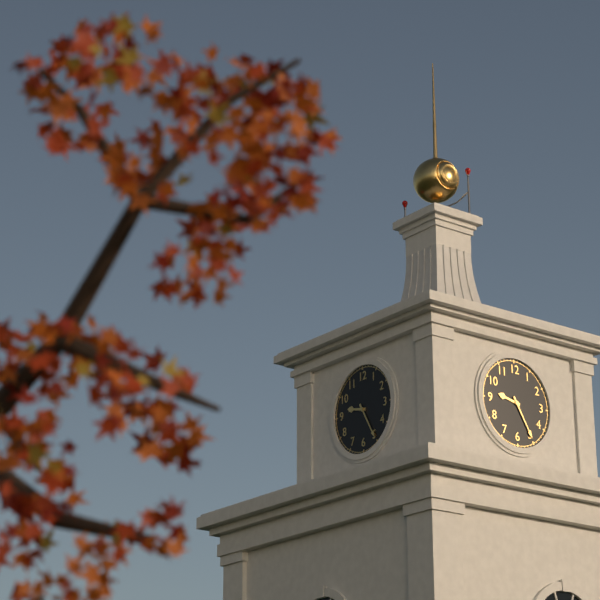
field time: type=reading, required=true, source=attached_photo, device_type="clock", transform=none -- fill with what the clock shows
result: 9:25
